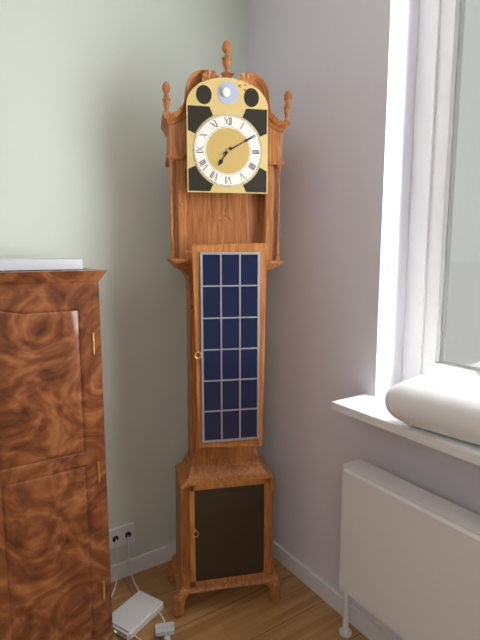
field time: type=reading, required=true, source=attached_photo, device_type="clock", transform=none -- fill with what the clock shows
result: 7:10
